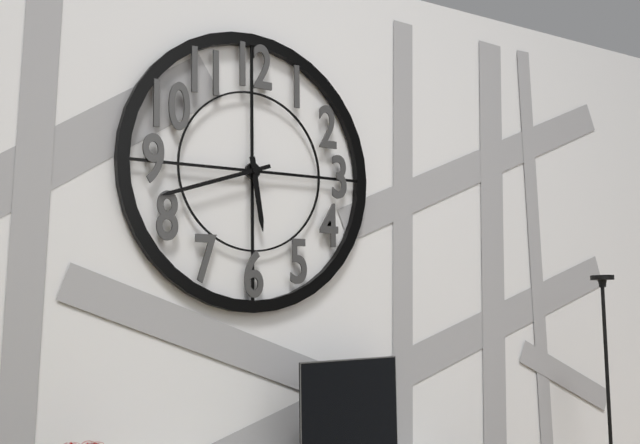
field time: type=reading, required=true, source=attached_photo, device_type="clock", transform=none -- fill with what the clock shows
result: 5:42
